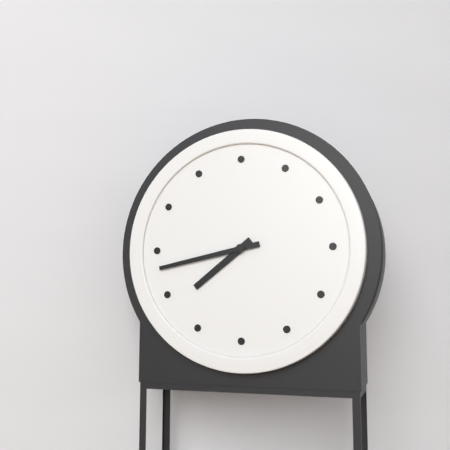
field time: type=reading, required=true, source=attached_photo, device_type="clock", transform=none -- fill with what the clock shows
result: 7:43
